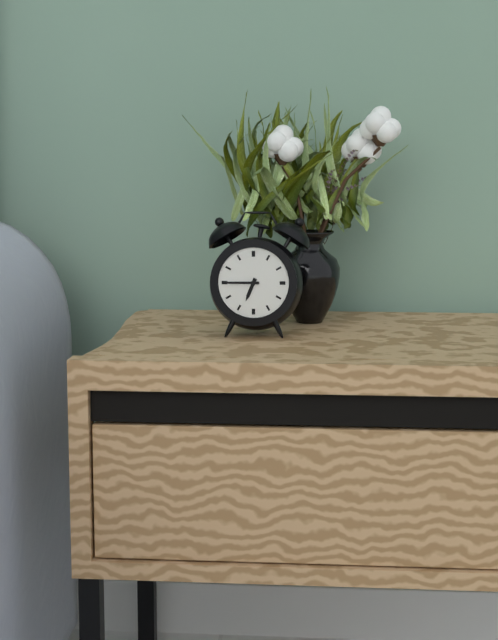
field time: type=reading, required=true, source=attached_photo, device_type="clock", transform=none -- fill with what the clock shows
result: 6:45
